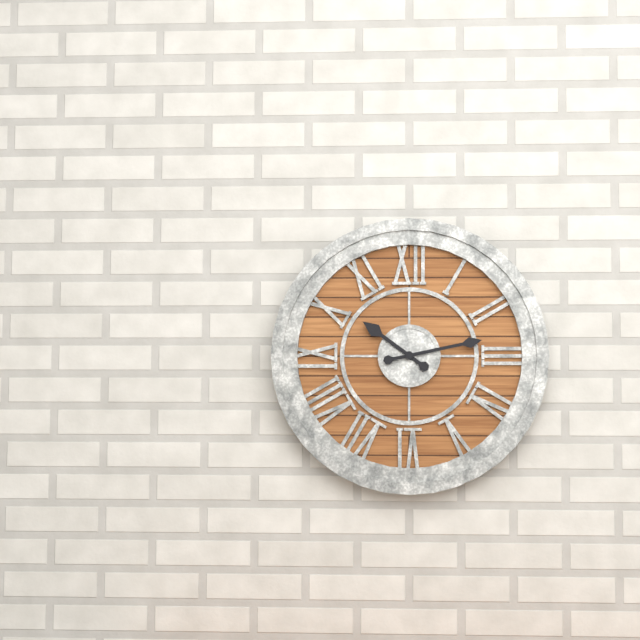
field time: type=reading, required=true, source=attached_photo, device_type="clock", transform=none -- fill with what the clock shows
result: 10:13
